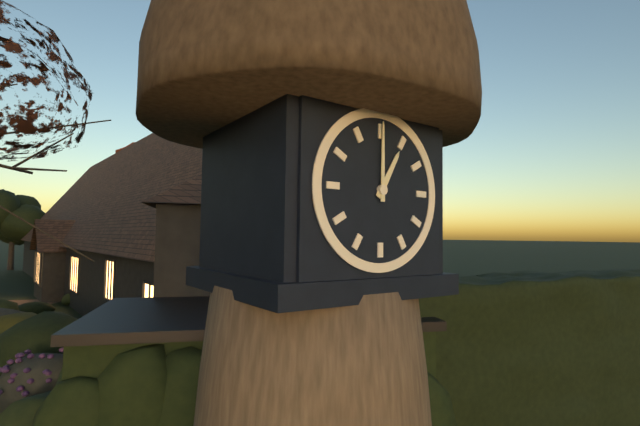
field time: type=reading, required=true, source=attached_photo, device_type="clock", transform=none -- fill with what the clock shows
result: 1:00
